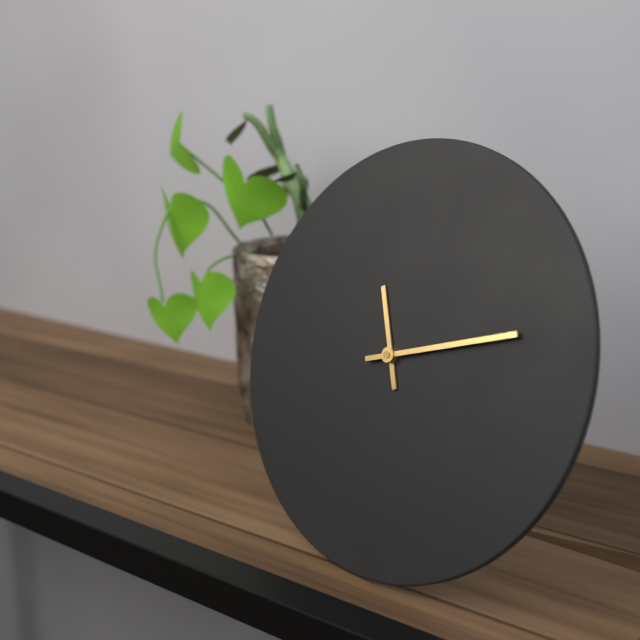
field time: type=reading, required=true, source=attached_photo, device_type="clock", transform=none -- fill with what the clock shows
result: 11:12
